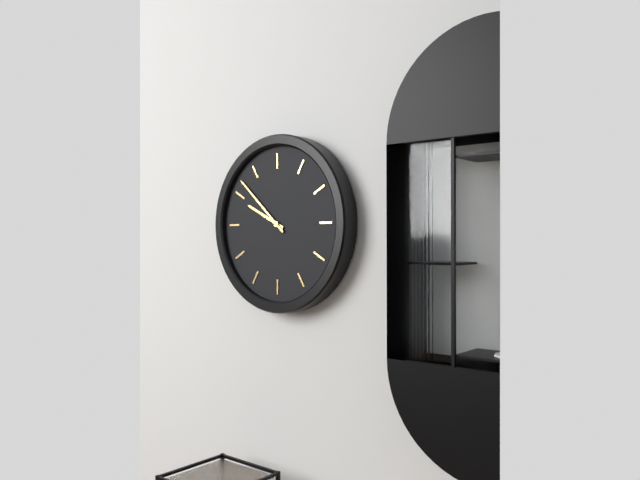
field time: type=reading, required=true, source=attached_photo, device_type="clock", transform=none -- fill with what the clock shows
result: 9:52
